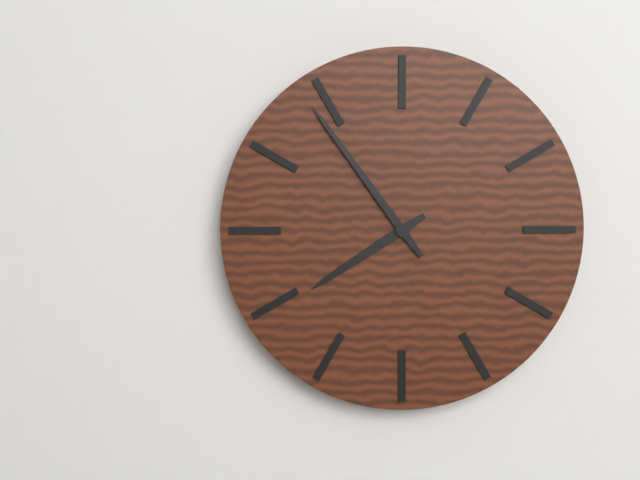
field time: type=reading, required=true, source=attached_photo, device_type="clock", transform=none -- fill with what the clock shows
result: 7:54
